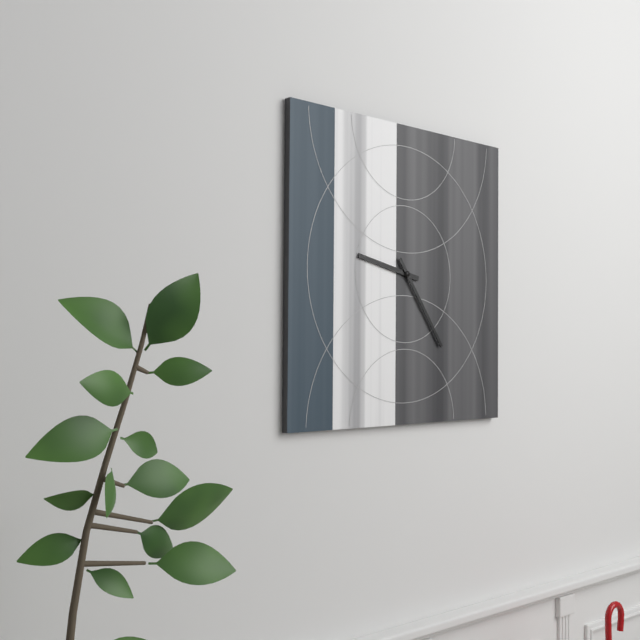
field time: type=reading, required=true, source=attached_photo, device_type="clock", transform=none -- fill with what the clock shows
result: 9:24
